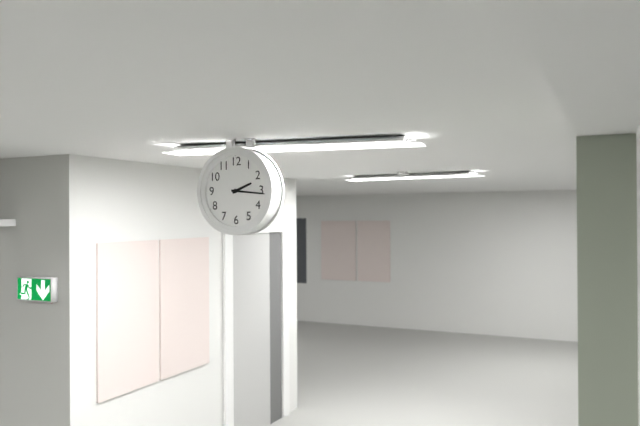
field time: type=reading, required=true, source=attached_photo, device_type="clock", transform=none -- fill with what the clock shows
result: 2:16
